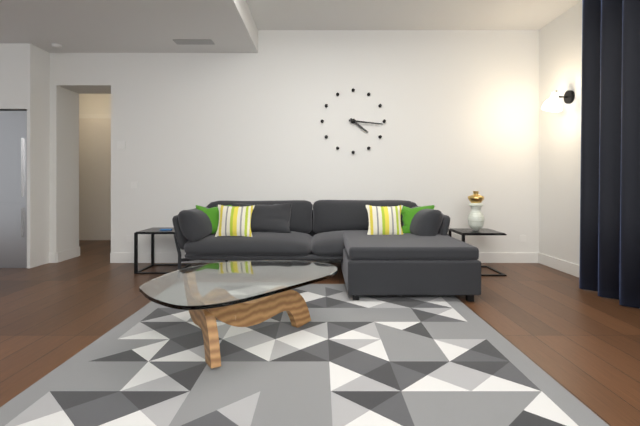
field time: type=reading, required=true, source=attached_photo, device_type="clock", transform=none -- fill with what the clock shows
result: 4:16
